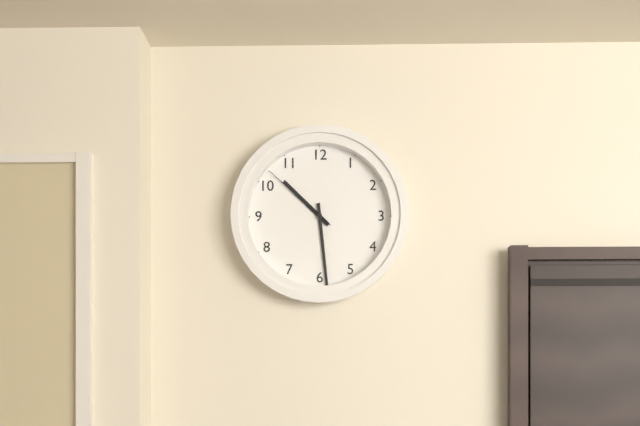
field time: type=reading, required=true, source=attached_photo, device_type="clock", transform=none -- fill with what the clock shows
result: 10:29:52
